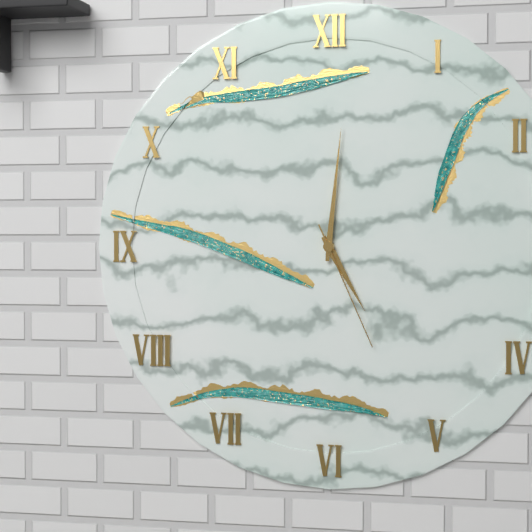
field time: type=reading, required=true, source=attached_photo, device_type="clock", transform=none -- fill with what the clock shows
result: 5:01:26
